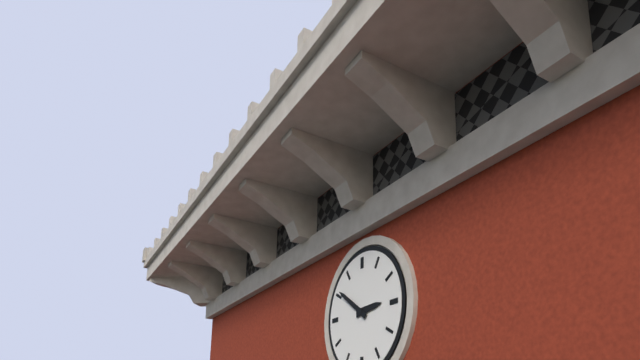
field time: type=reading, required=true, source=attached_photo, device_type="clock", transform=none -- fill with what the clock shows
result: 2:51
